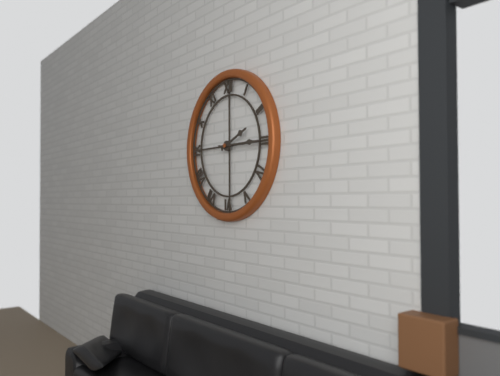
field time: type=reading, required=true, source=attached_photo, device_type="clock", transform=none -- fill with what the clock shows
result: 2:15
